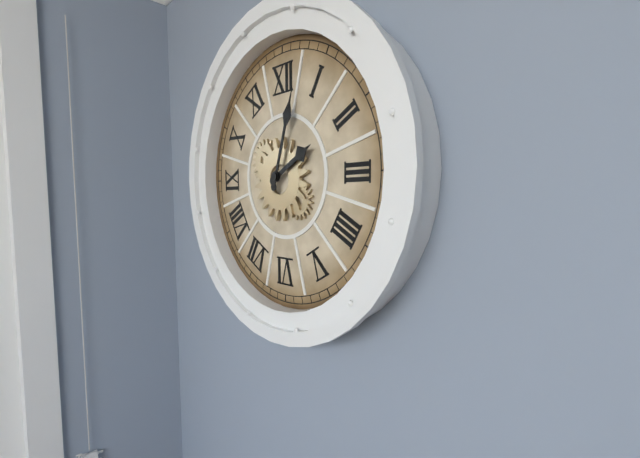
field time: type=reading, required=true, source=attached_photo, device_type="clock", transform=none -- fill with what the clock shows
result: 2:03
